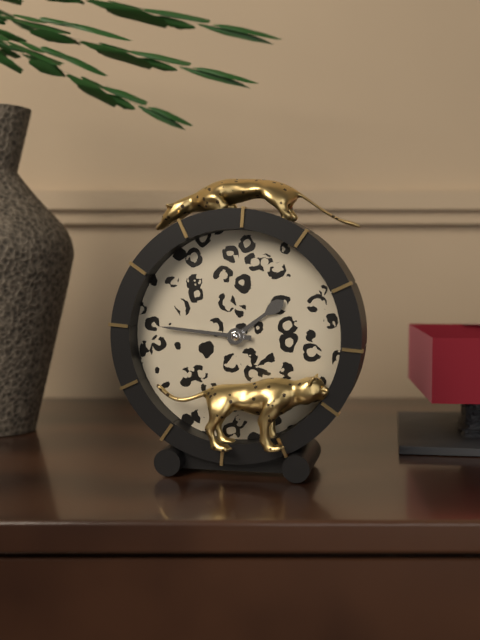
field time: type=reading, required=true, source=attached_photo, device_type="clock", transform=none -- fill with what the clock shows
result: 1:46
